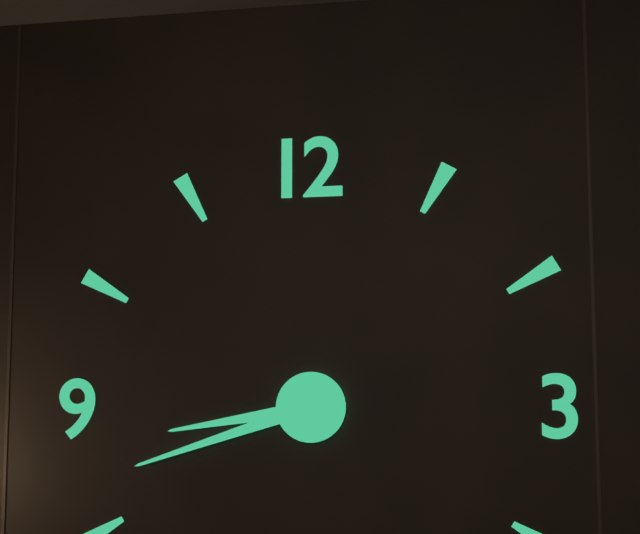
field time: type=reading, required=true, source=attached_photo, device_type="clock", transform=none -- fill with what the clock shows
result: 8:42
